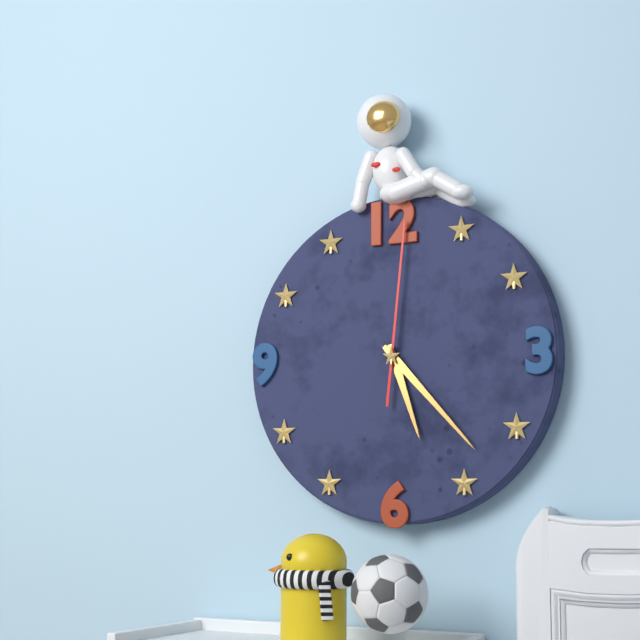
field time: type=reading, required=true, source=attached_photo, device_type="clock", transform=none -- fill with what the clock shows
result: 5:23:01
